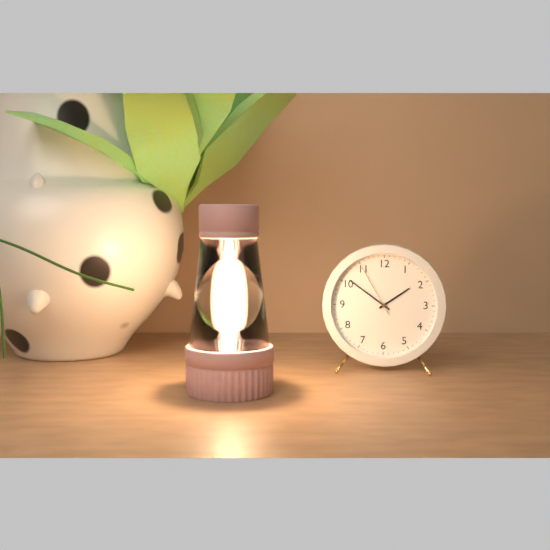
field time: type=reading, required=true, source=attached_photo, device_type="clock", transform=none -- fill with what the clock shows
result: 1:51:55
